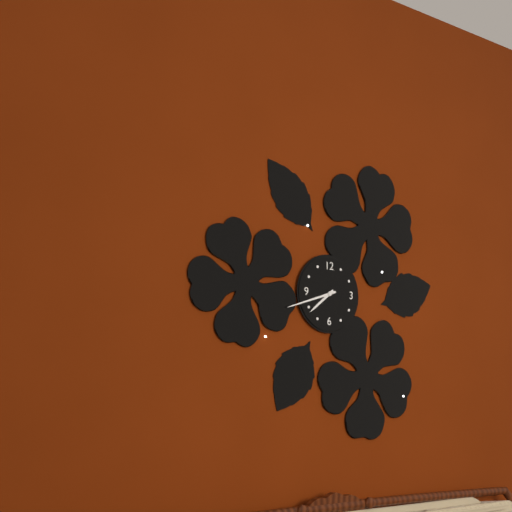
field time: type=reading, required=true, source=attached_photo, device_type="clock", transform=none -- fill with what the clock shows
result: 7:42
